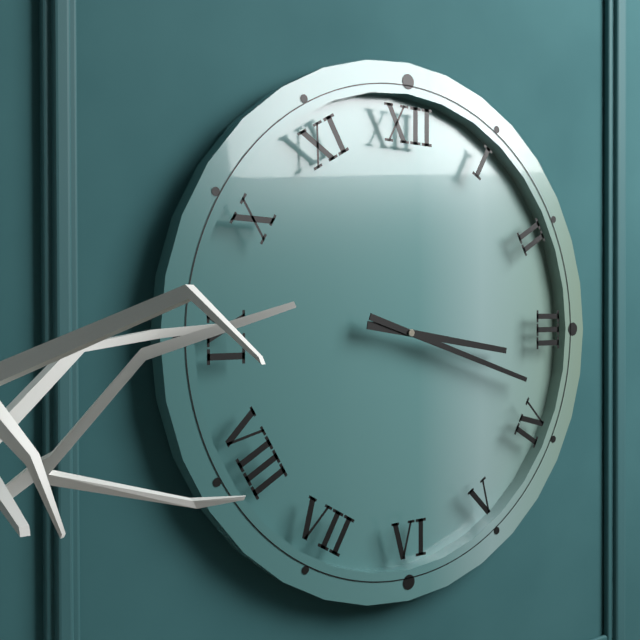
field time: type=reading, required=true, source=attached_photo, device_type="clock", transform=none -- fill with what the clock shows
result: 3:18
